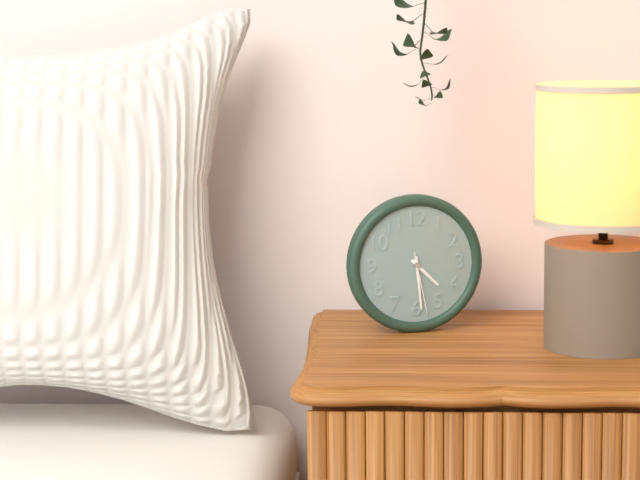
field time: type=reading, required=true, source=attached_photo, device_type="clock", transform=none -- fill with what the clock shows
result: 4:29:28
